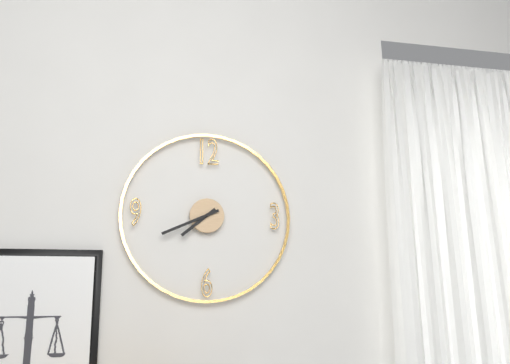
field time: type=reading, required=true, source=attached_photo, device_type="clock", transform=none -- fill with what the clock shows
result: 7:41
